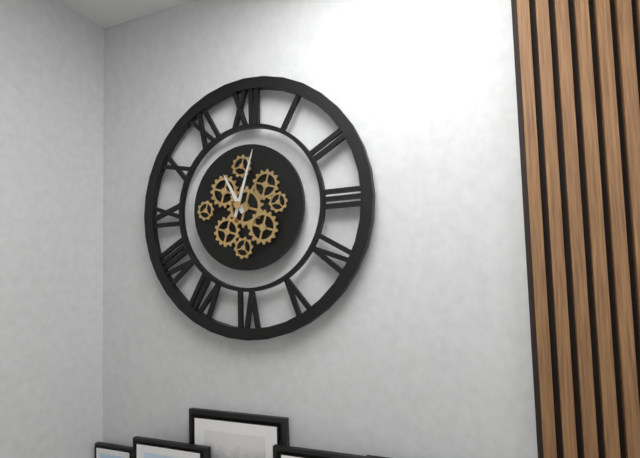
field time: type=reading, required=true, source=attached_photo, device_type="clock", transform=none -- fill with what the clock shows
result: 11:03
